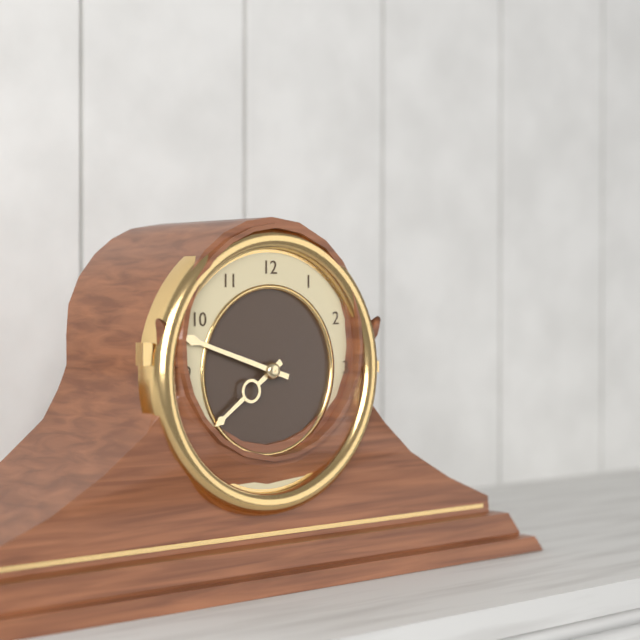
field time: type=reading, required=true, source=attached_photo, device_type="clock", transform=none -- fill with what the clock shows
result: 7:48
